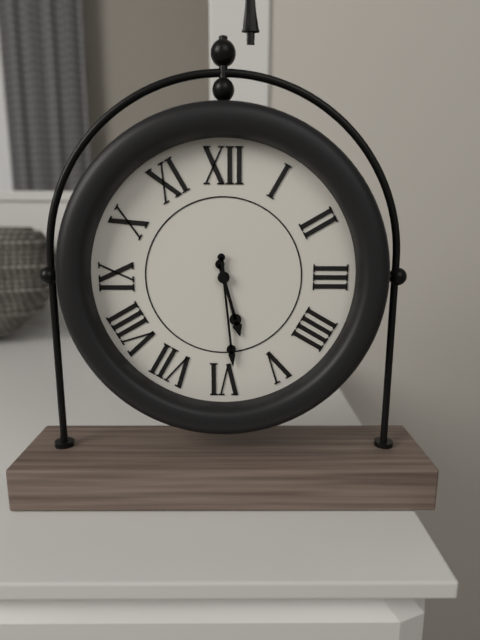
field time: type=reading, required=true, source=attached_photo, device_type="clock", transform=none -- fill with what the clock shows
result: 5:29
